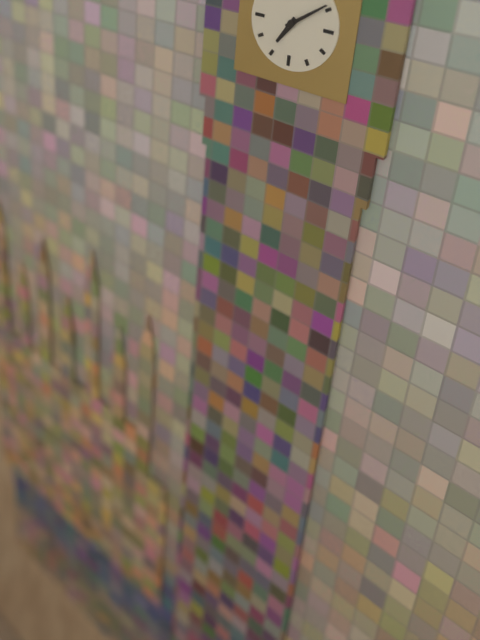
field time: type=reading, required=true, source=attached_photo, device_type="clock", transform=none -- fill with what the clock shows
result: 7:09
